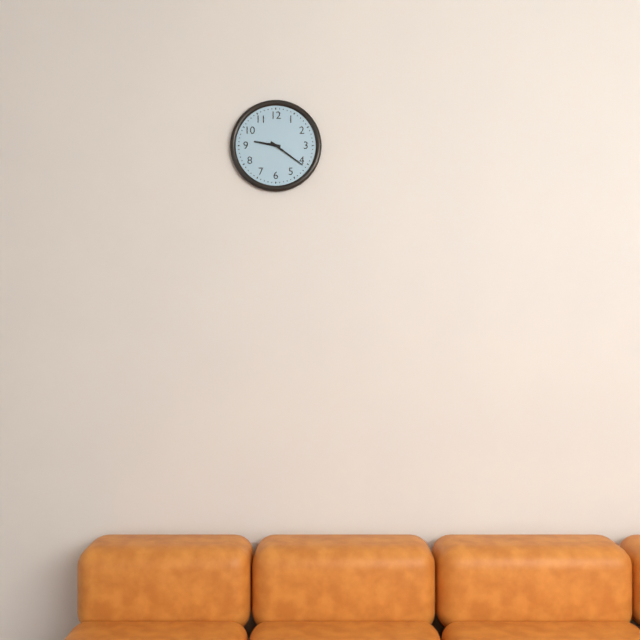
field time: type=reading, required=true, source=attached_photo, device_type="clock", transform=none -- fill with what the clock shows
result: 9:21
